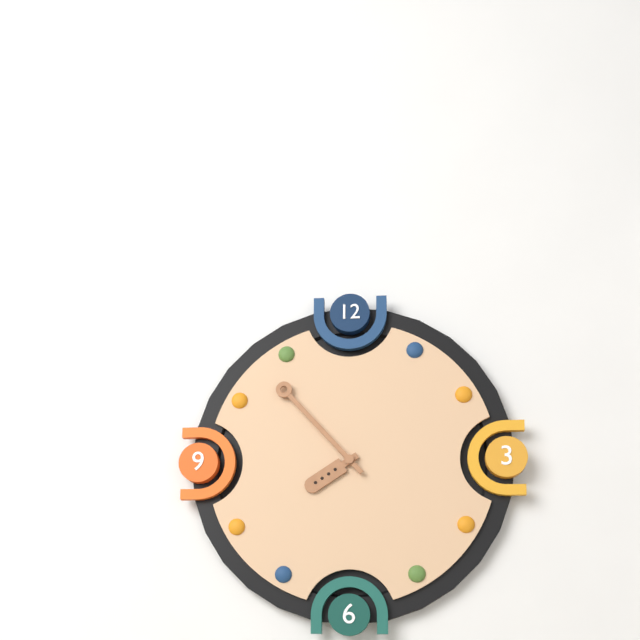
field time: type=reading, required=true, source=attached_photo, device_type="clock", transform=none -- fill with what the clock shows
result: 7:53
